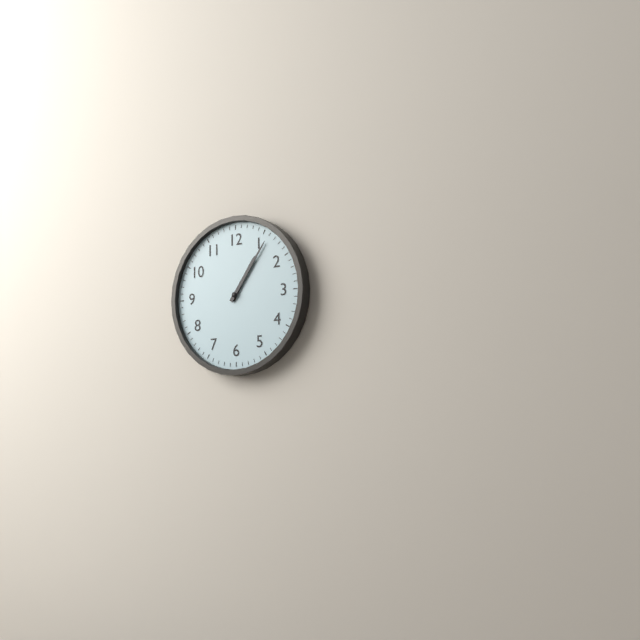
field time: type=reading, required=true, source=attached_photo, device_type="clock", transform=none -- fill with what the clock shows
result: 1:06
